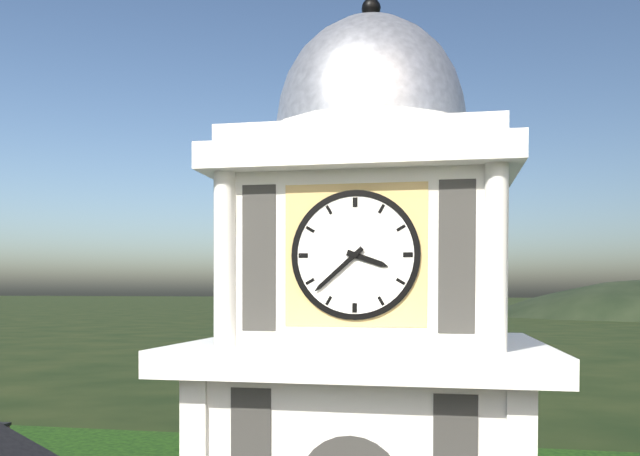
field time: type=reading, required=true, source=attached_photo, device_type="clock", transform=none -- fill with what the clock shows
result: 3:38
